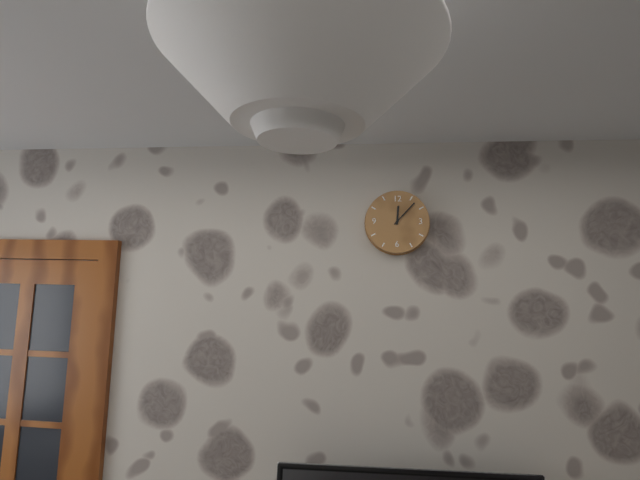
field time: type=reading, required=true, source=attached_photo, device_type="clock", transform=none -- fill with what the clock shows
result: 12:07
